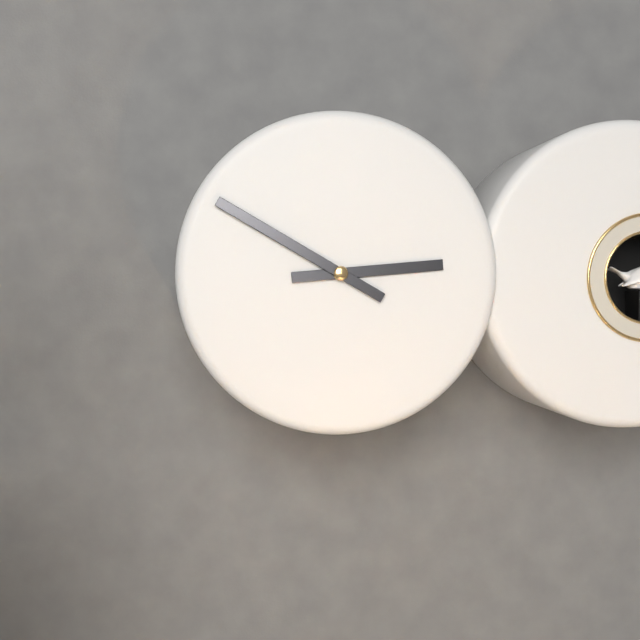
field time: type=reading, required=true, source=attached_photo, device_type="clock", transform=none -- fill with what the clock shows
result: 2:50
